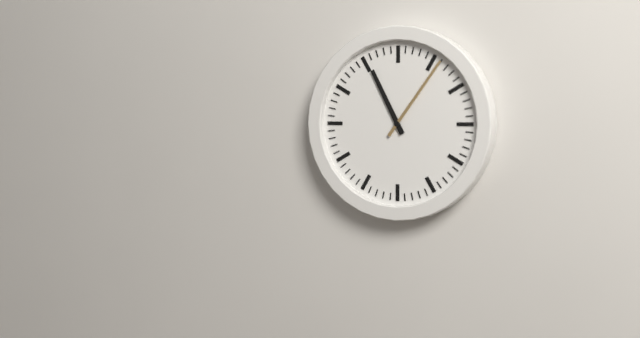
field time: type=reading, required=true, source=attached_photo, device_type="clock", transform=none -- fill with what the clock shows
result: 11:06
